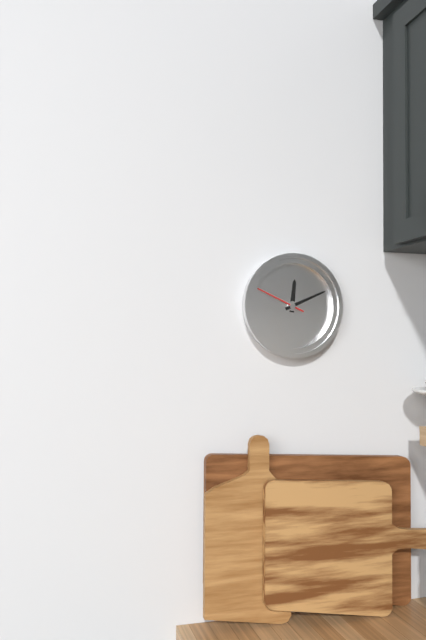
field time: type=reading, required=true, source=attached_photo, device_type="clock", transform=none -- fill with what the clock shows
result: 12:11
